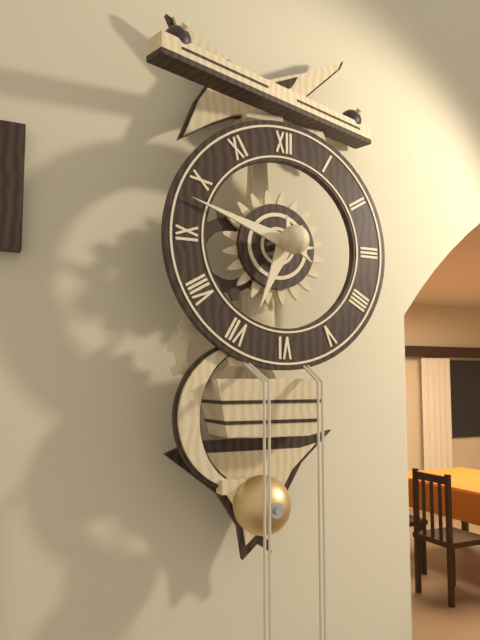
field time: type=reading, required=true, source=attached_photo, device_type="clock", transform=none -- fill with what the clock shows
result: 6:48
